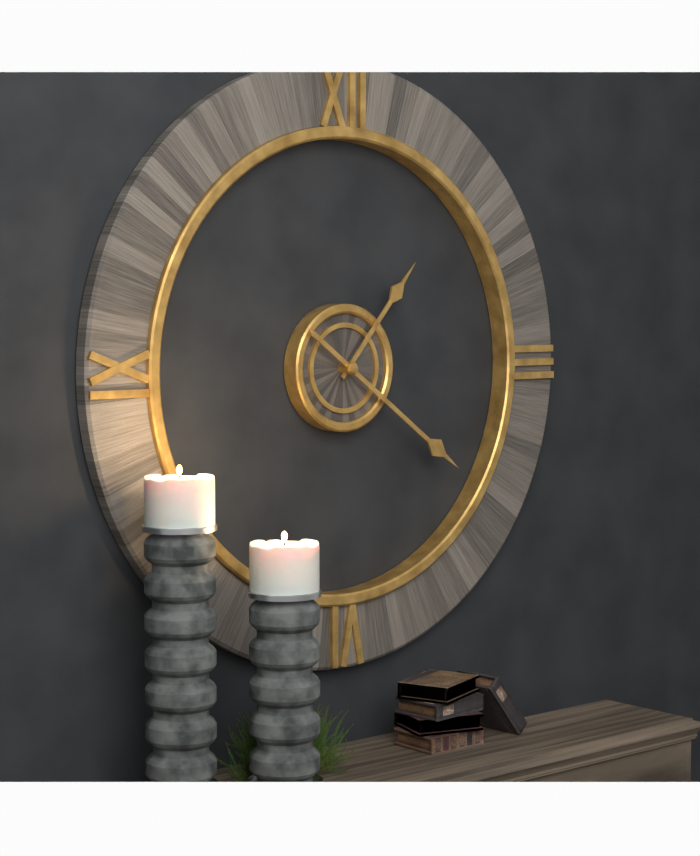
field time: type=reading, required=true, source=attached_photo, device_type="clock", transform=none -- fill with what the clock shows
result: 1:21
